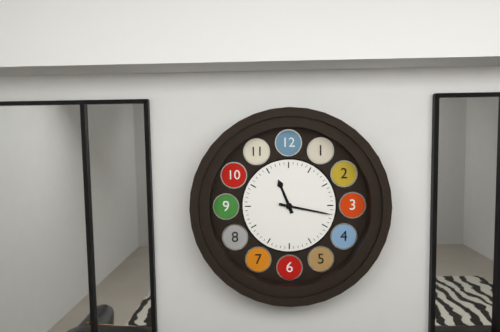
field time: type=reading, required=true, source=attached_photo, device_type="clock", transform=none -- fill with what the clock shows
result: 11:17
